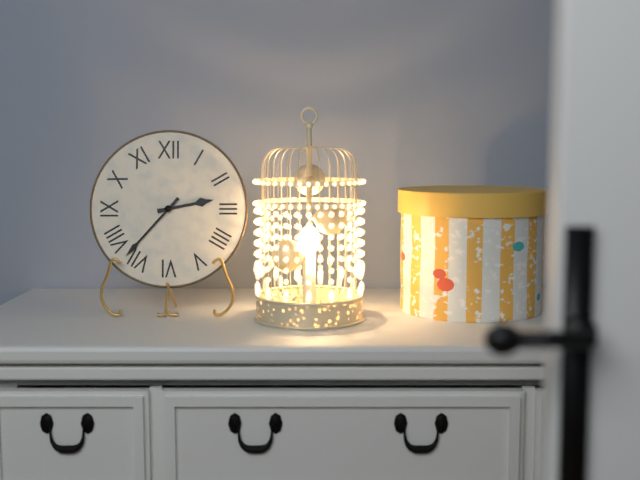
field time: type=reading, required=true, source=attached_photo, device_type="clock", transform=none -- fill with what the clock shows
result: 2:37
